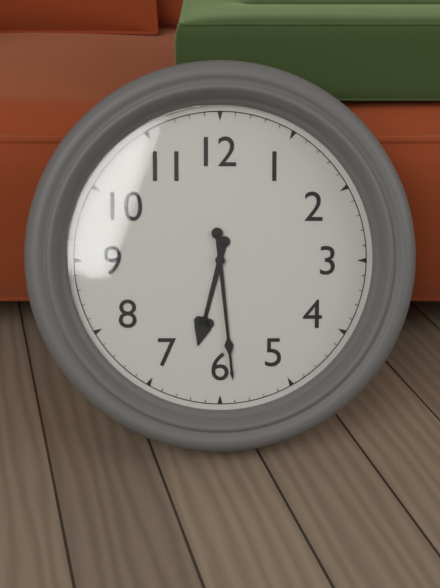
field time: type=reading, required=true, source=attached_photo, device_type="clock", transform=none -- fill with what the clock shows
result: 6:29
